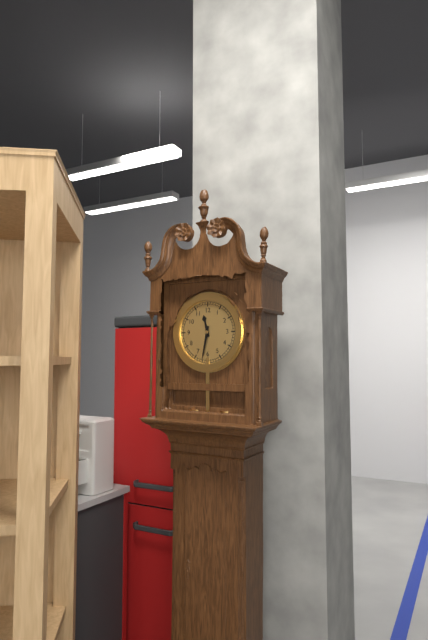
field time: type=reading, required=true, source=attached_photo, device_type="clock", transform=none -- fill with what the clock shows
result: 11:32
